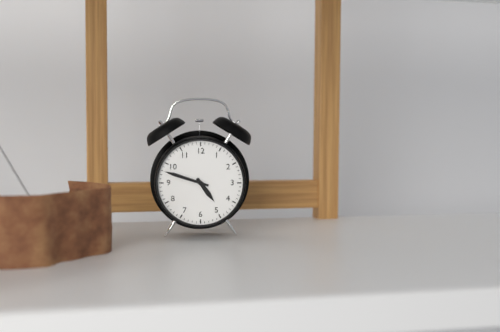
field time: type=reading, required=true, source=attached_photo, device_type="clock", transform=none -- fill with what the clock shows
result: 4:48
